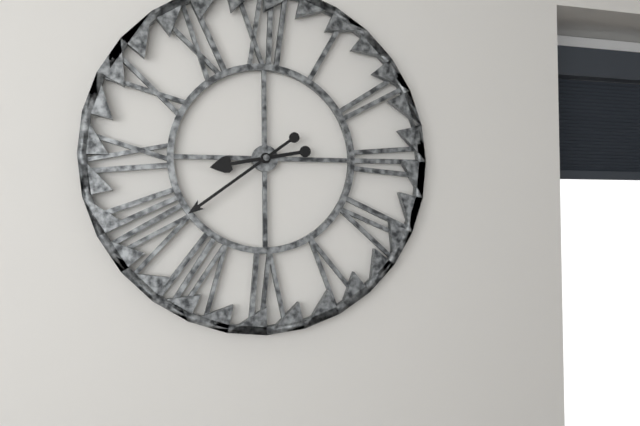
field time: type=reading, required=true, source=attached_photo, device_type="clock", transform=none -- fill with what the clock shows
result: 8:39
